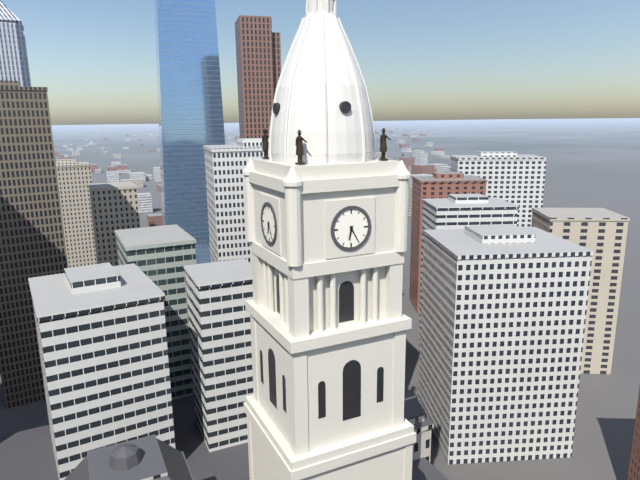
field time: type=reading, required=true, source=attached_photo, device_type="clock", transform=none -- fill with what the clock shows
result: 6:25
